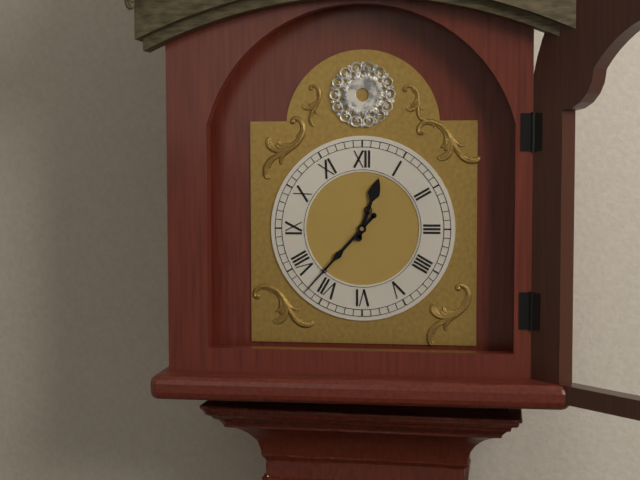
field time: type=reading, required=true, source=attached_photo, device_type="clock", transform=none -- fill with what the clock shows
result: 12:37
